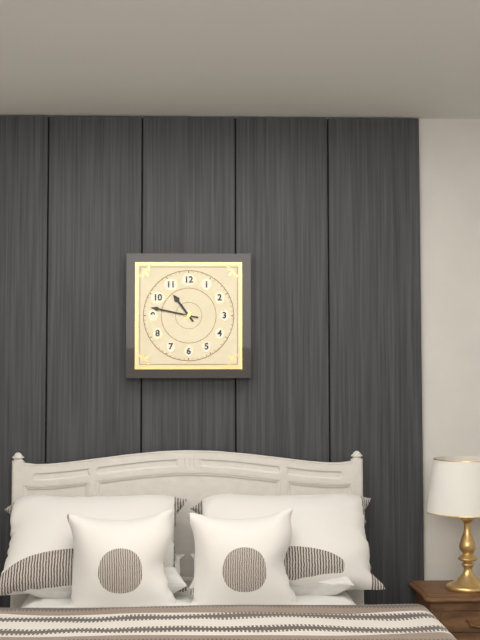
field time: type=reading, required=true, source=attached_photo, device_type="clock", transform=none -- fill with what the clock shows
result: 10:47
